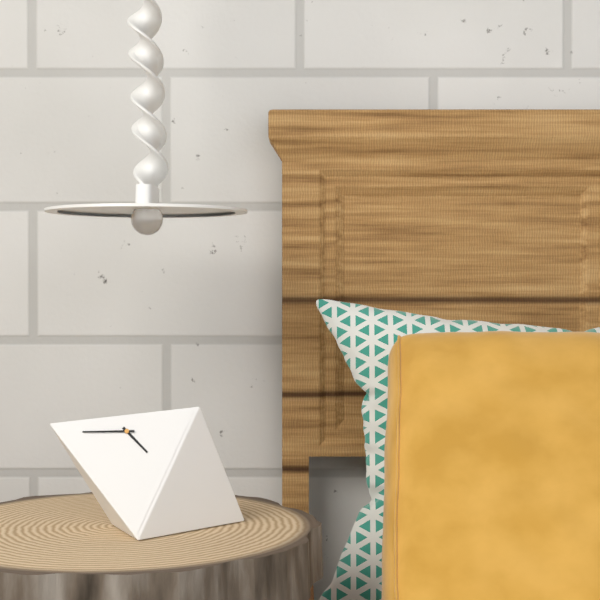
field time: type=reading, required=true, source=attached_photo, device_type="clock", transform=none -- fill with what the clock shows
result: 4:46
